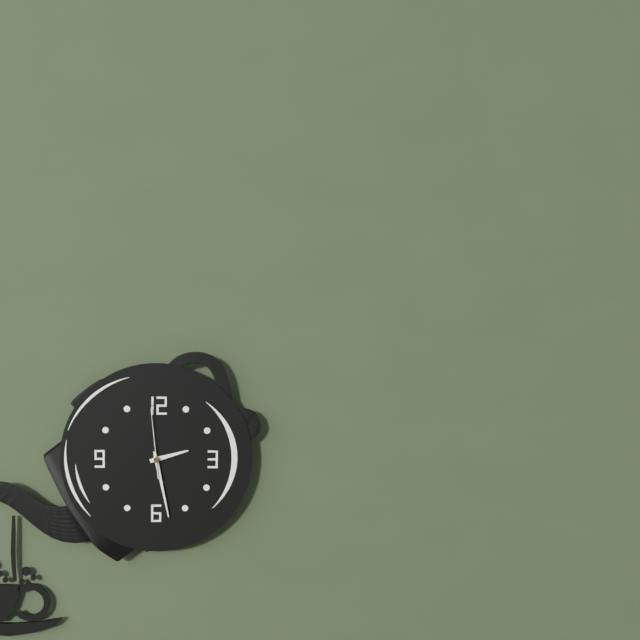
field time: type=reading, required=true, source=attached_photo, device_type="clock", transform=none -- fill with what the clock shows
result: 2:28:59
